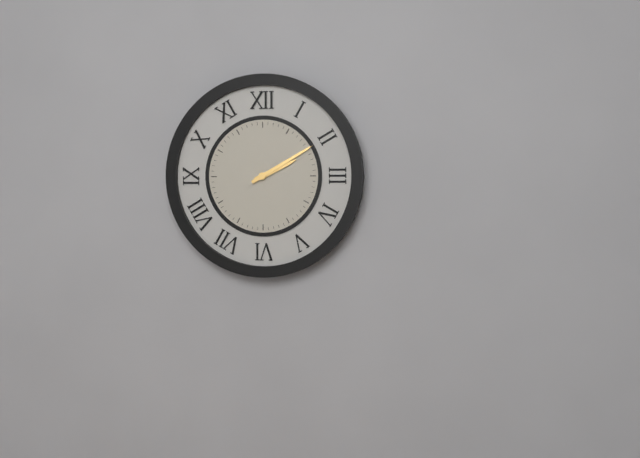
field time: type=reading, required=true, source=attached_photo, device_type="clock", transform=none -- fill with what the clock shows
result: 2:10
